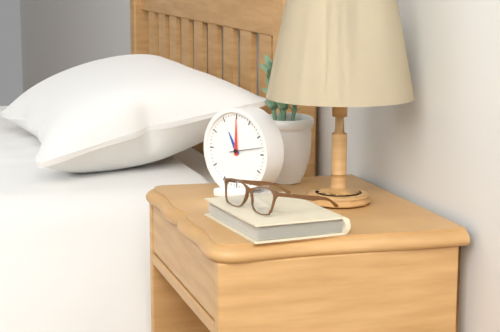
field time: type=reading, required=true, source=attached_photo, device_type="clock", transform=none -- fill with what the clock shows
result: 11:00
